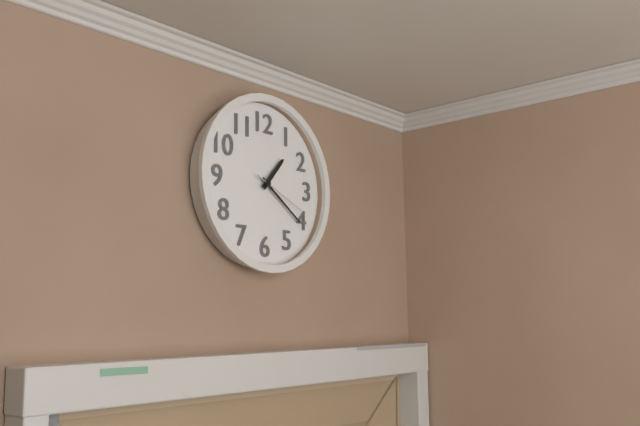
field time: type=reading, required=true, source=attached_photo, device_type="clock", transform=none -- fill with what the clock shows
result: 1:21:19
